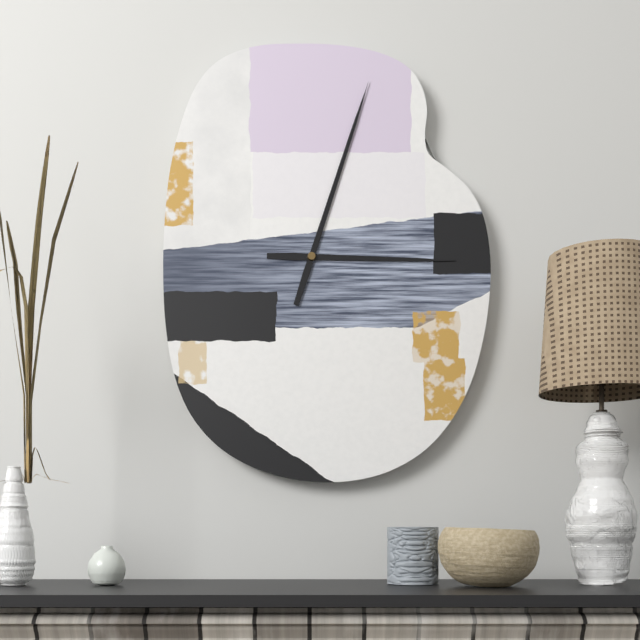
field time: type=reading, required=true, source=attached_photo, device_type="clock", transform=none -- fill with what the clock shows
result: 3:03
